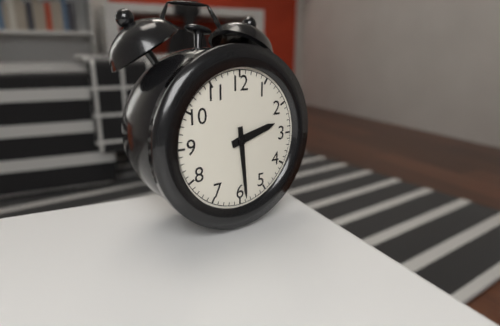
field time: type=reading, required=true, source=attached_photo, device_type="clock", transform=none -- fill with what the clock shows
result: 2:29
